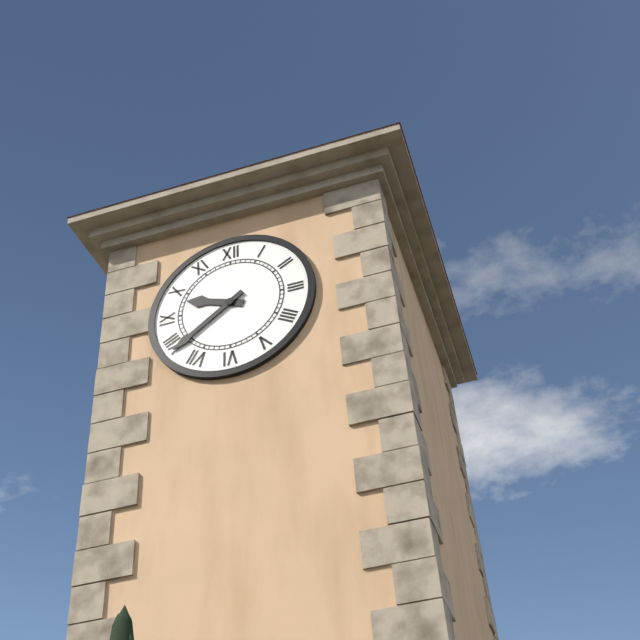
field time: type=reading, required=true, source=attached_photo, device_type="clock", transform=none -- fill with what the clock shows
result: 9:39
